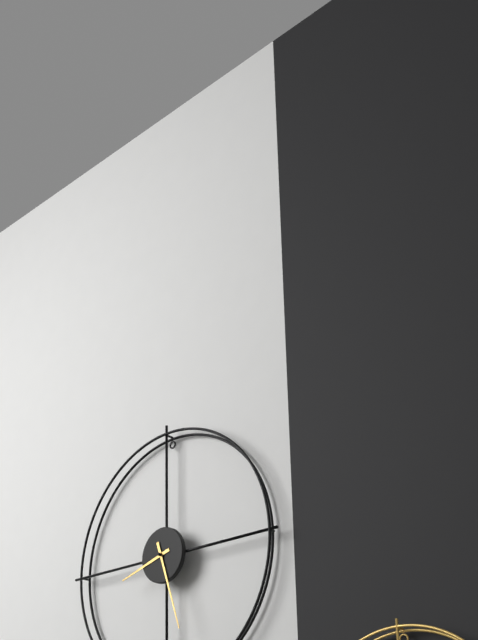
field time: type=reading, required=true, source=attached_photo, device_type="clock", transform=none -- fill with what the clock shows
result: 8:27
